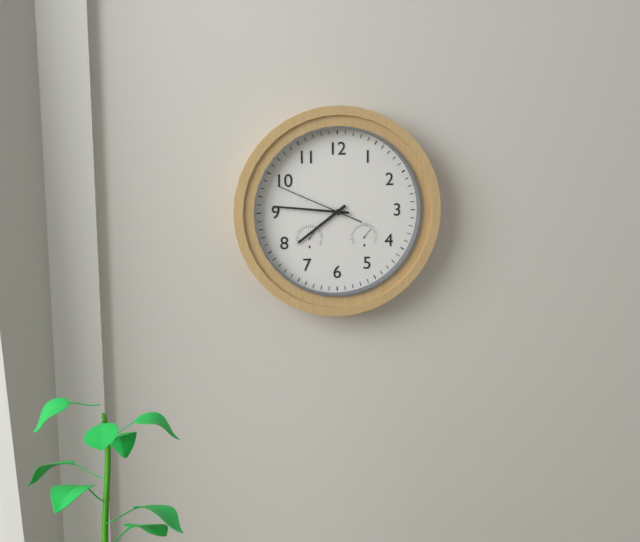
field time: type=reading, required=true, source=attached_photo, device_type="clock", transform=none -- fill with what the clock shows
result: 7:46:49
